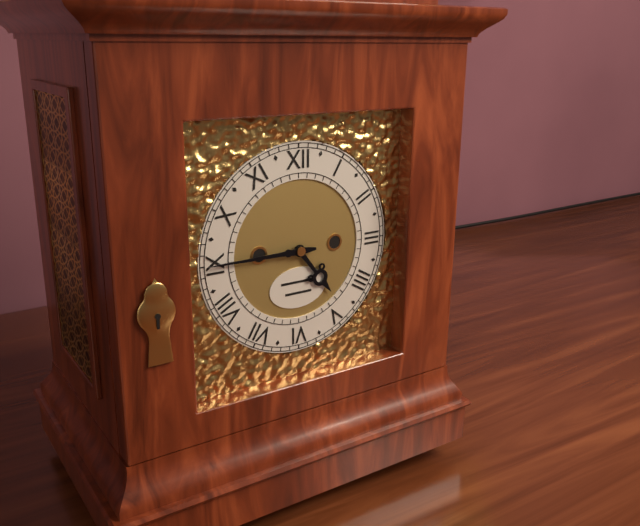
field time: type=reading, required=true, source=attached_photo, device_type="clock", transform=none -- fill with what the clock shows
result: 4:45
